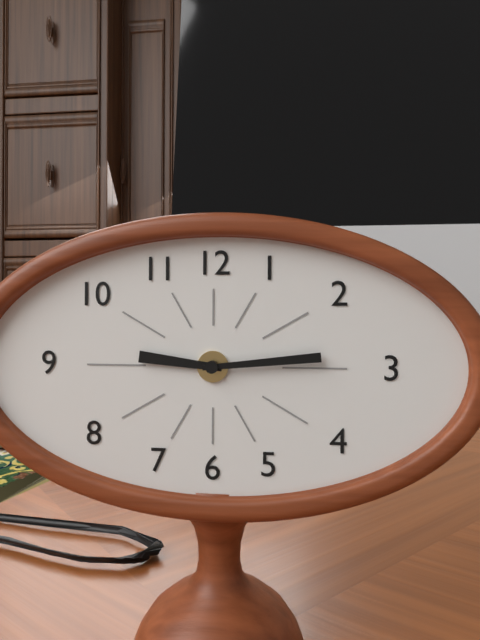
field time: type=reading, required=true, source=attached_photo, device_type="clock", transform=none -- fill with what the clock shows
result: 9:14
